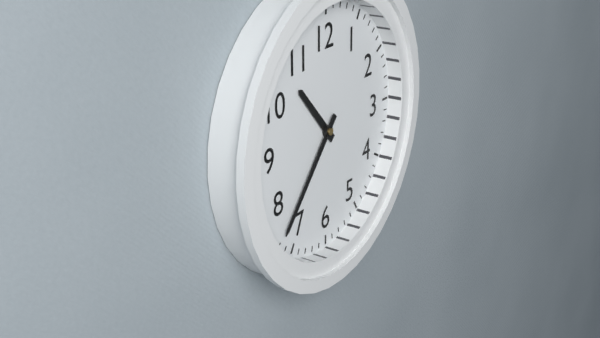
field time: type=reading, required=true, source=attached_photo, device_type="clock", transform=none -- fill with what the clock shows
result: 10:37
